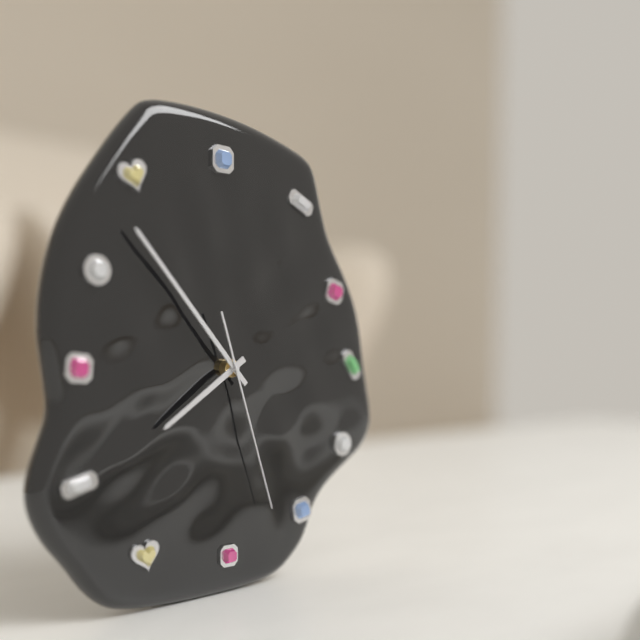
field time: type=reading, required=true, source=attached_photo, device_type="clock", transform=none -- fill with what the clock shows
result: 7:53:27
